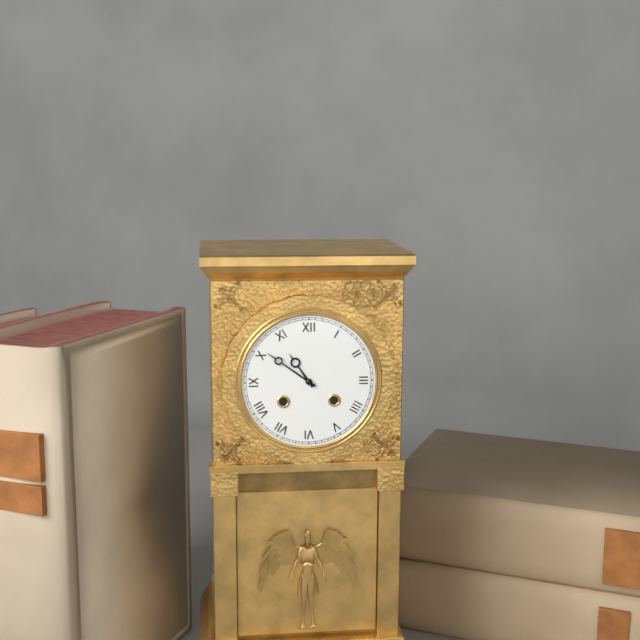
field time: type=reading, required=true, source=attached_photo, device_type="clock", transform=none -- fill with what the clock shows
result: 10:51
